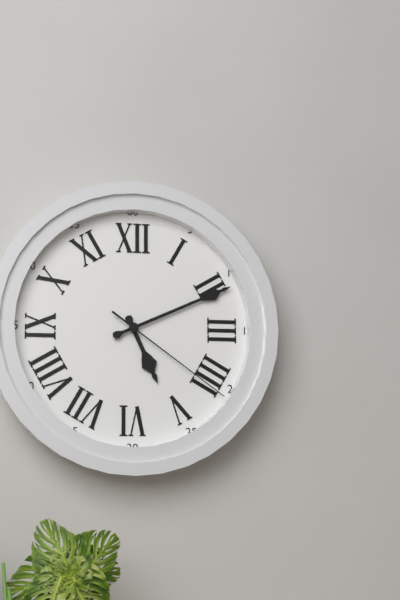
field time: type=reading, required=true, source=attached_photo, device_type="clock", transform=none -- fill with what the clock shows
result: 5:11:21
